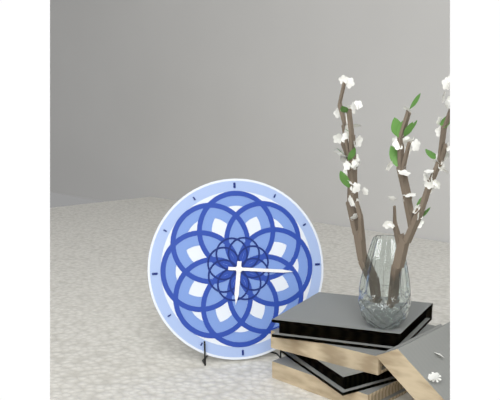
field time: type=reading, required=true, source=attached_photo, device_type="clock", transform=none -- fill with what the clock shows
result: 6:16
